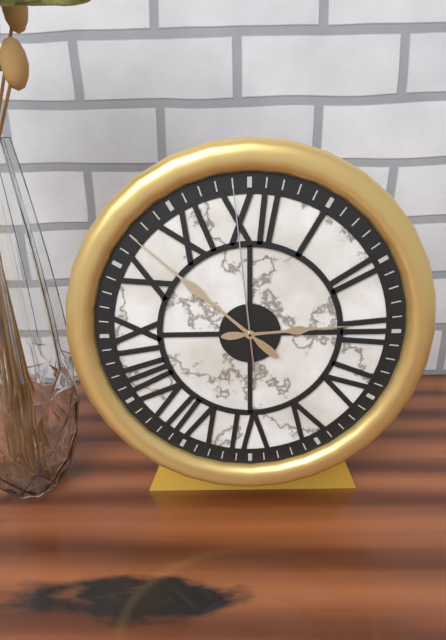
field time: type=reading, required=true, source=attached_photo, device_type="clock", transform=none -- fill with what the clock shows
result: 2:52:59
